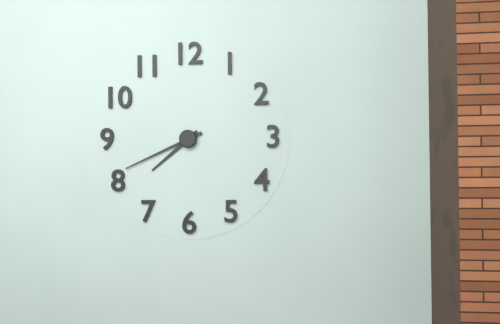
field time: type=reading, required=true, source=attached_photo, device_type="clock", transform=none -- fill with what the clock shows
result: 7:41
